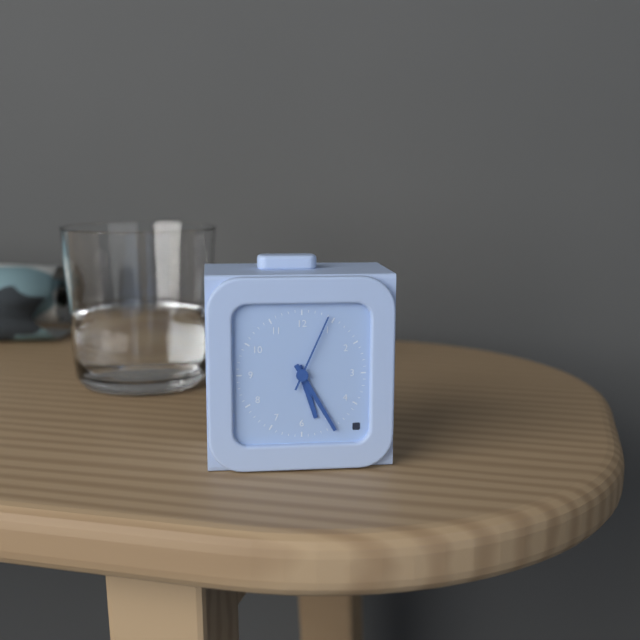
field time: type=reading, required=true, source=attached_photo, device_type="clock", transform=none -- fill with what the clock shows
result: 5:25:04
